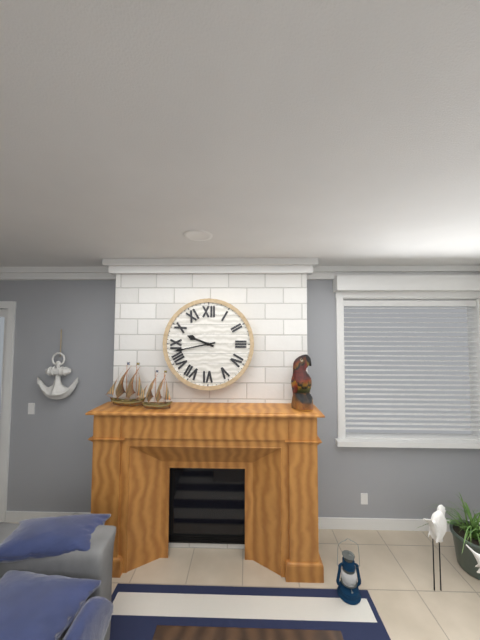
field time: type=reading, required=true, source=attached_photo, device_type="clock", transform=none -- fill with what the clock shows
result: 9:43
